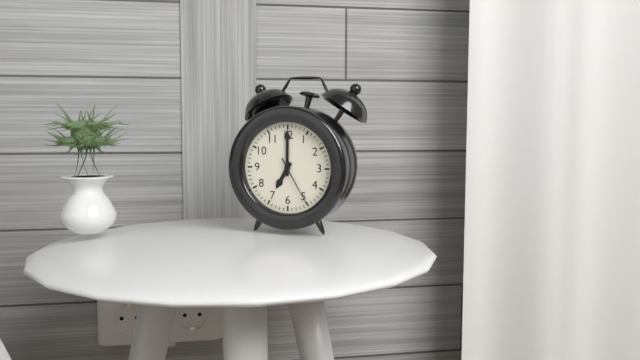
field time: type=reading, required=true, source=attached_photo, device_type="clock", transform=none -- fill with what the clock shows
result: 7:00:25
